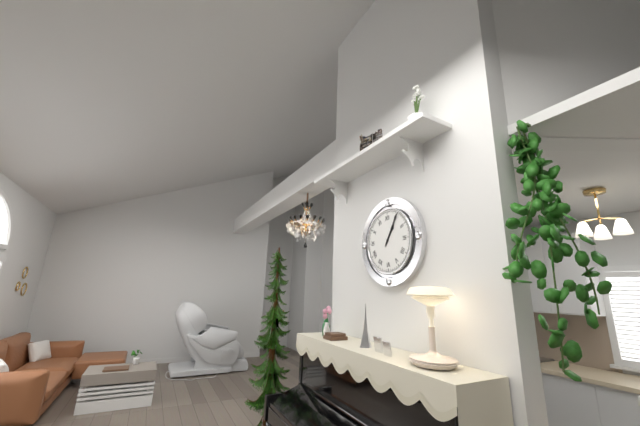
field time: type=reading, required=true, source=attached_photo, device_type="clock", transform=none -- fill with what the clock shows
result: 1:05
